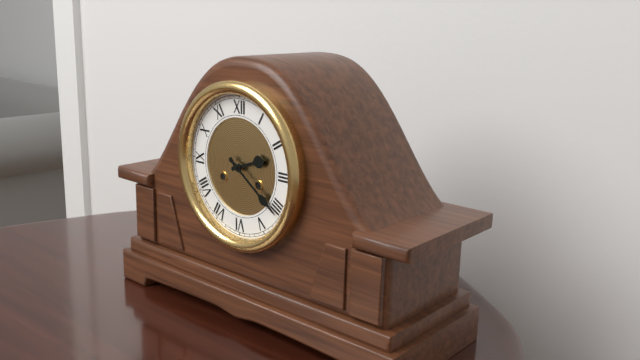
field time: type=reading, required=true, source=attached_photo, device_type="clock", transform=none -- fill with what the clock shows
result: 2:21
